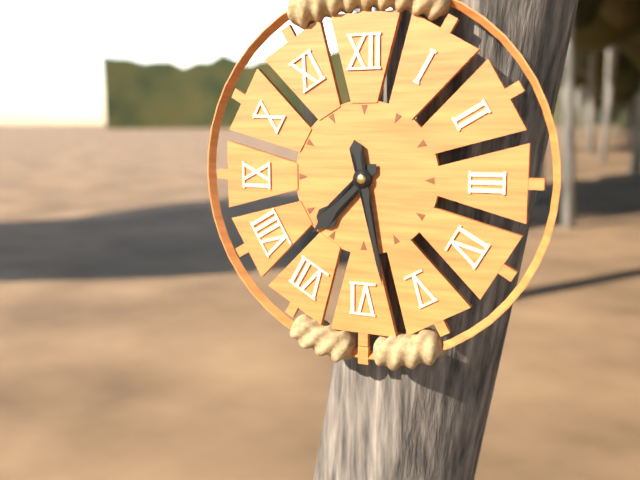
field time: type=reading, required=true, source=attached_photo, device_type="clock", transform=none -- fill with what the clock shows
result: 7:28
